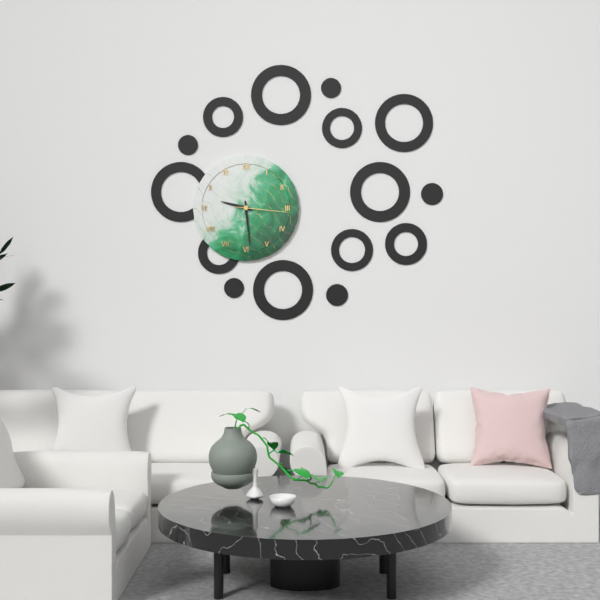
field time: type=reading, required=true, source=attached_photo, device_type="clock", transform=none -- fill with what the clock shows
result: 9:29:16
